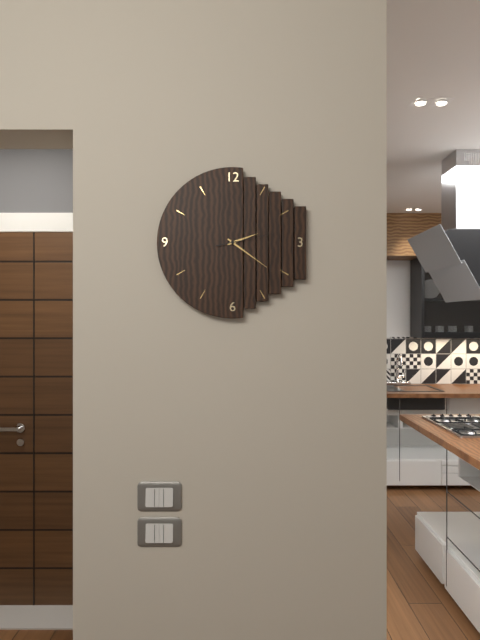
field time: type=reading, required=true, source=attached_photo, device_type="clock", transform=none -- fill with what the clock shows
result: 2:21:13
